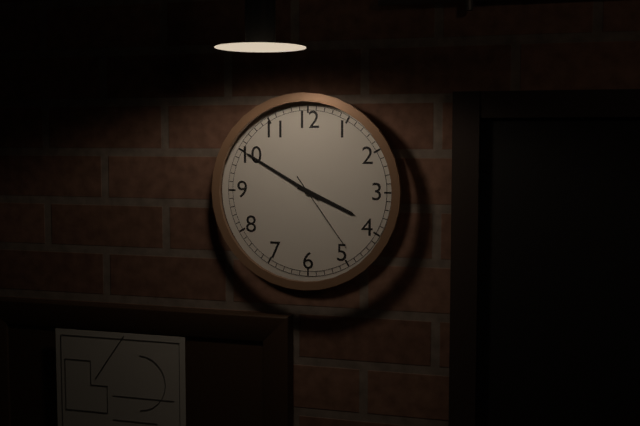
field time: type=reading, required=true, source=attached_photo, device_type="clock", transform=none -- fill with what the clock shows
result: 3:50:24
